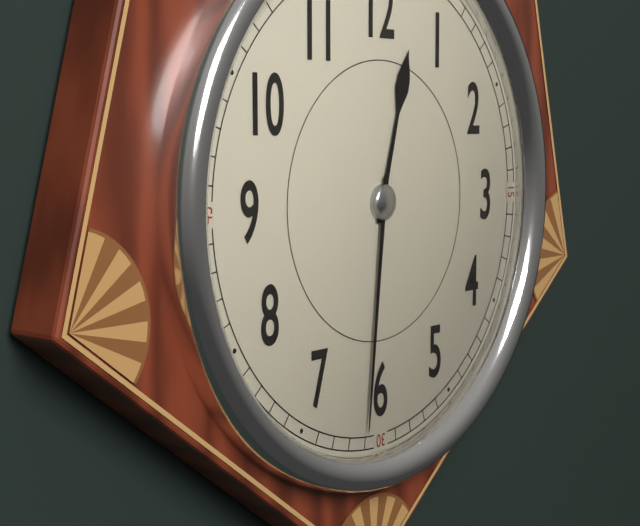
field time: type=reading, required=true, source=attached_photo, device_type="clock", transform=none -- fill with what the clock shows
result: 12:31
